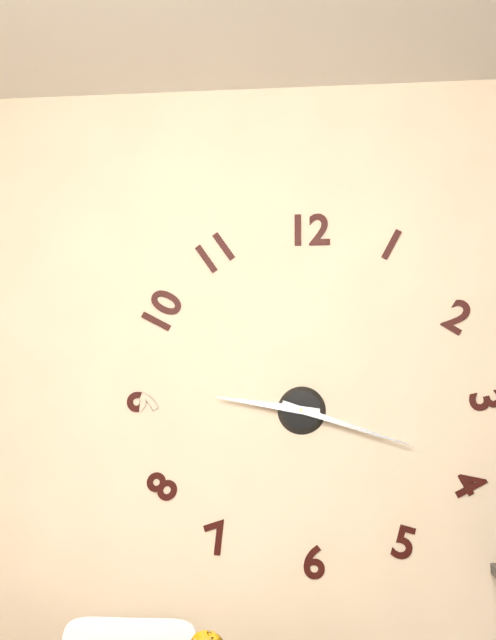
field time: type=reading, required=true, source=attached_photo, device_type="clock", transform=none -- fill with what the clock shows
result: 9:18
